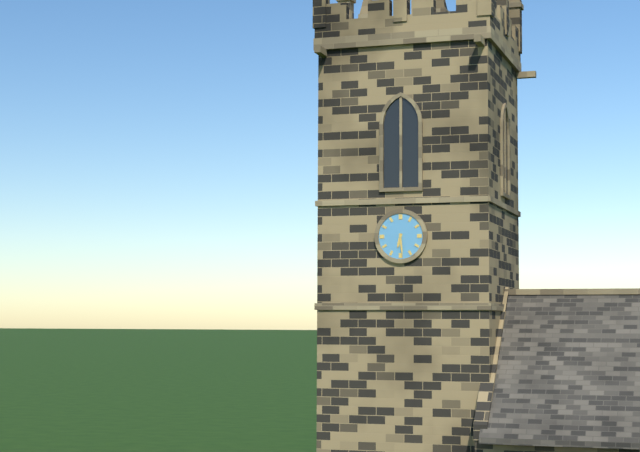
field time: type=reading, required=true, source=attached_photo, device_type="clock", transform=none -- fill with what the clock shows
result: 6:29
